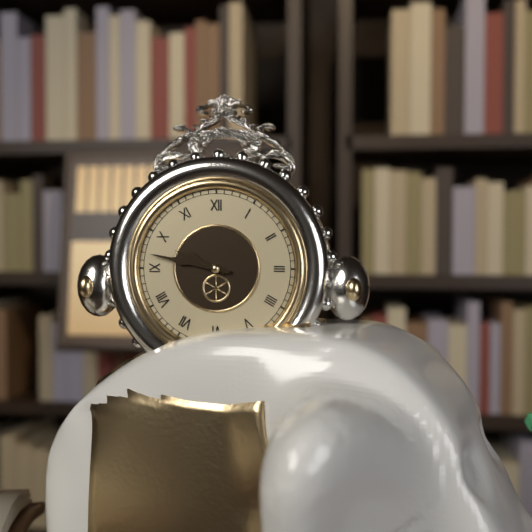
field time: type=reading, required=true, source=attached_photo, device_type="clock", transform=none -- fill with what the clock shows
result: 9:47
